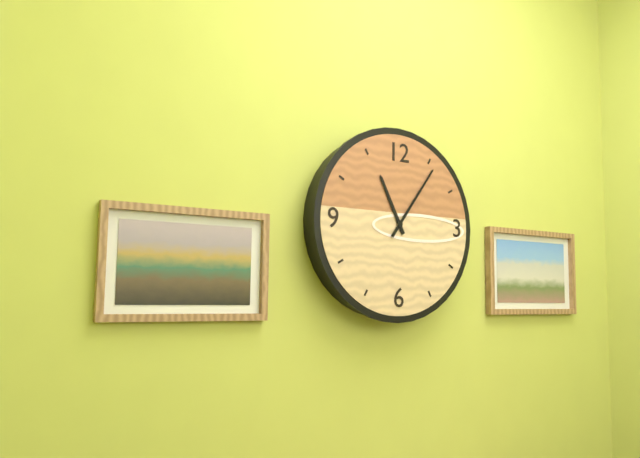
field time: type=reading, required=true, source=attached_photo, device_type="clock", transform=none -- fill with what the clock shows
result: 11:06
